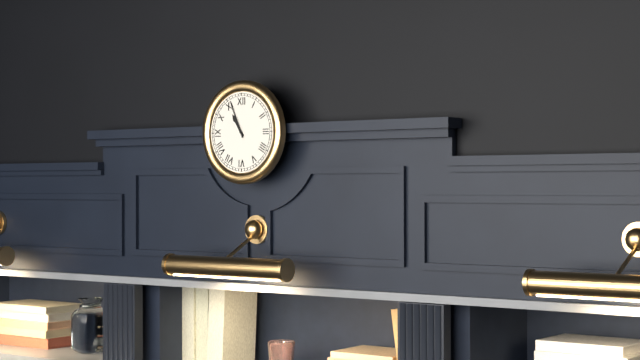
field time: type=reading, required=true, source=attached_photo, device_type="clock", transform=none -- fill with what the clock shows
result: 10:56
